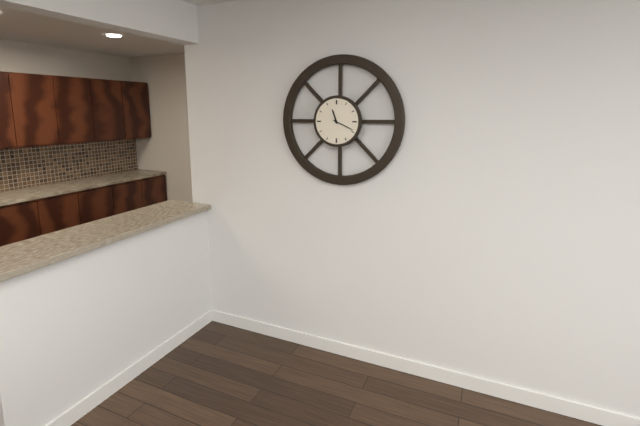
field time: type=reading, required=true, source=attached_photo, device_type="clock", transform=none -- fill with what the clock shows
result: 11:19
